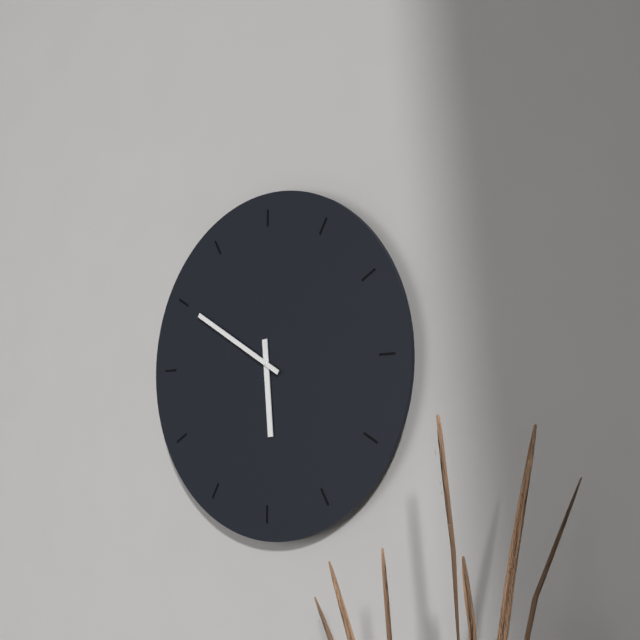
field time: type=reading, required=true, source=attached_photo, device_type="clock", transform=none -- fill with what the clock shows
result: 5:50
